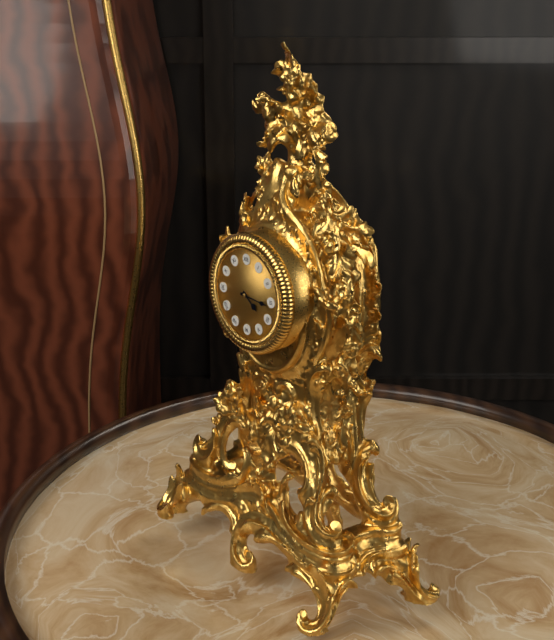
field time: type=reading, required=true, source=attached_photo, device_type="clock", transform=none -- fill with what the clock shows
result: 4:16
